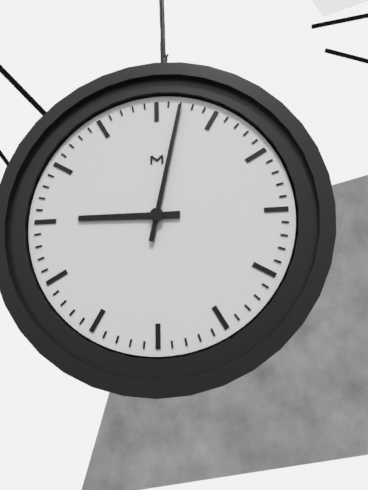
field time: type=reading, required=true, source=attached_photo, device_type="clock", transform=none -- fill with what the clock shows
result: 9:02
